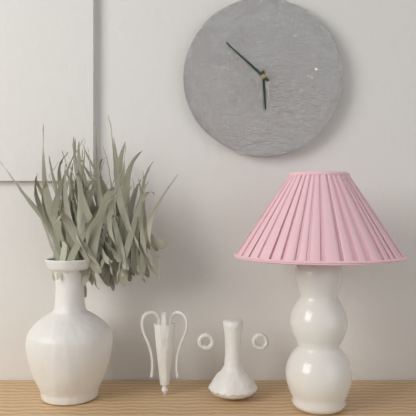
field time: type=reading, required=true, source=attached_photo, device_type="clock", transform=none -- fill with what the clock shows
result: 5:52
